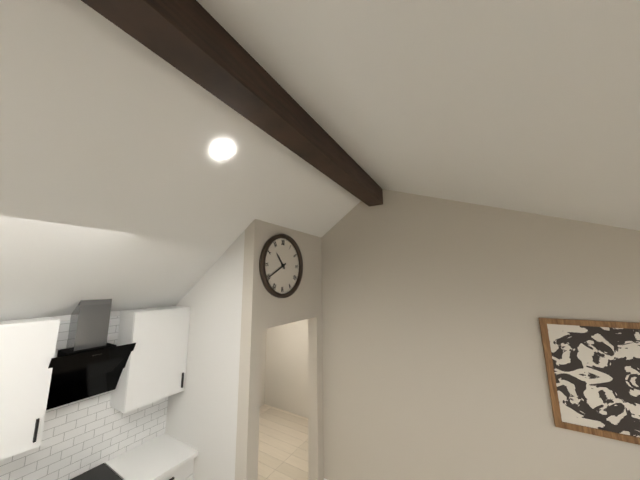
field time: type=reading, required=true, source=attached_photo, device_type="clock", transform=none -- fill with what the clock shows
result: 10:40
